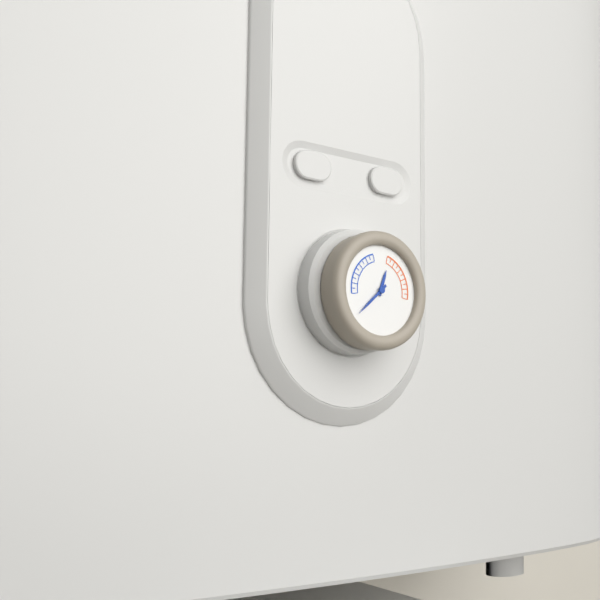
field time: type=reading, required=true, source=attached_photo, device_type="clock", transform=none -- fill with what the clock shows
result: 12:38
